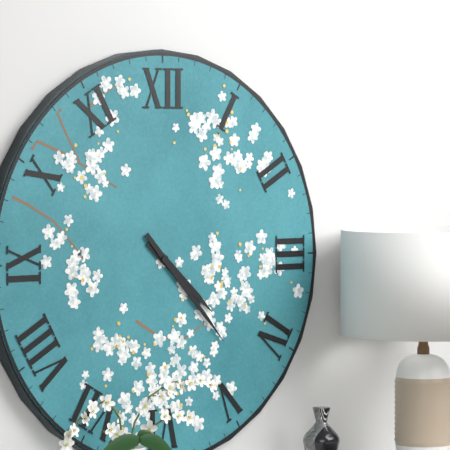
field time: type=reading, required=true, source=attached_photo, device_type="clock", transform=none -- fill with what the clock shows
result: 4:23
